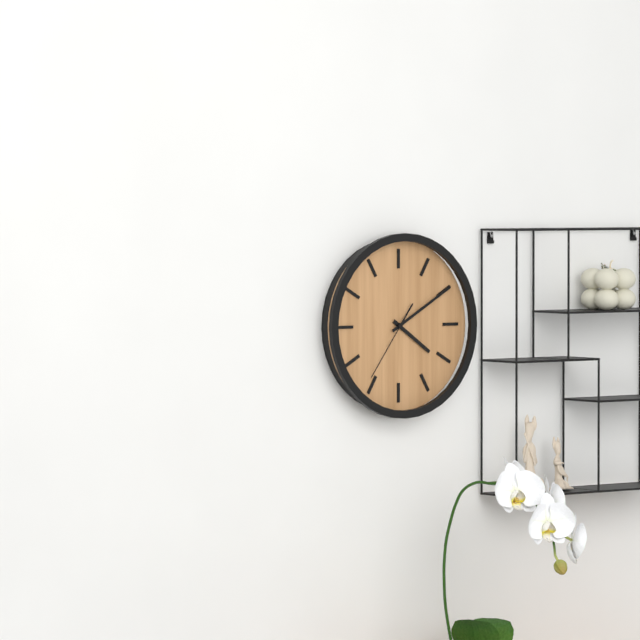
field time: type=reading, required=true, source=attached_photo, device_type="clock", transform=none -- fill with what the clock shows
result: 4:10:36
